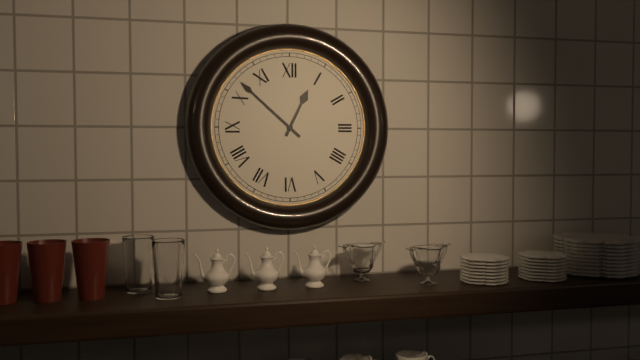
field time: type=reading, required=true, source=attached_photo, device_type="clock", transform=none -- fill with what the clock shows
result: 12:52
